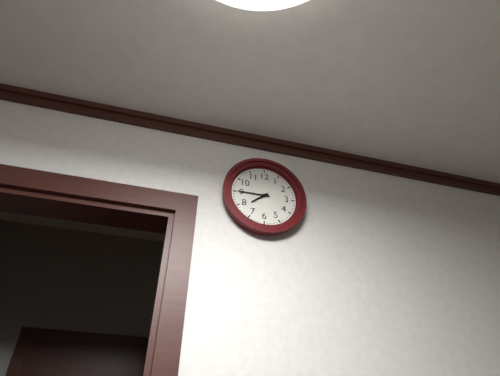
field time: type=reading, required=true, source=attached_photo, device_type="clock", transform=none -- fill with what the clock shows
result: 7:45
